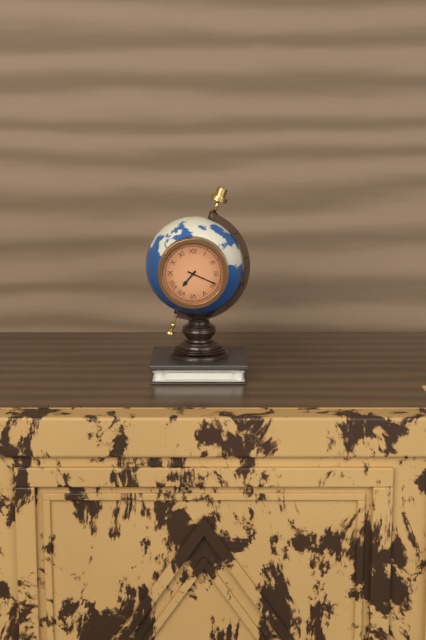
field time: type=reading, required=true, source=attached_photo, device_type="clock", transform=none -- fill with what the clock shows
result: 7:19
